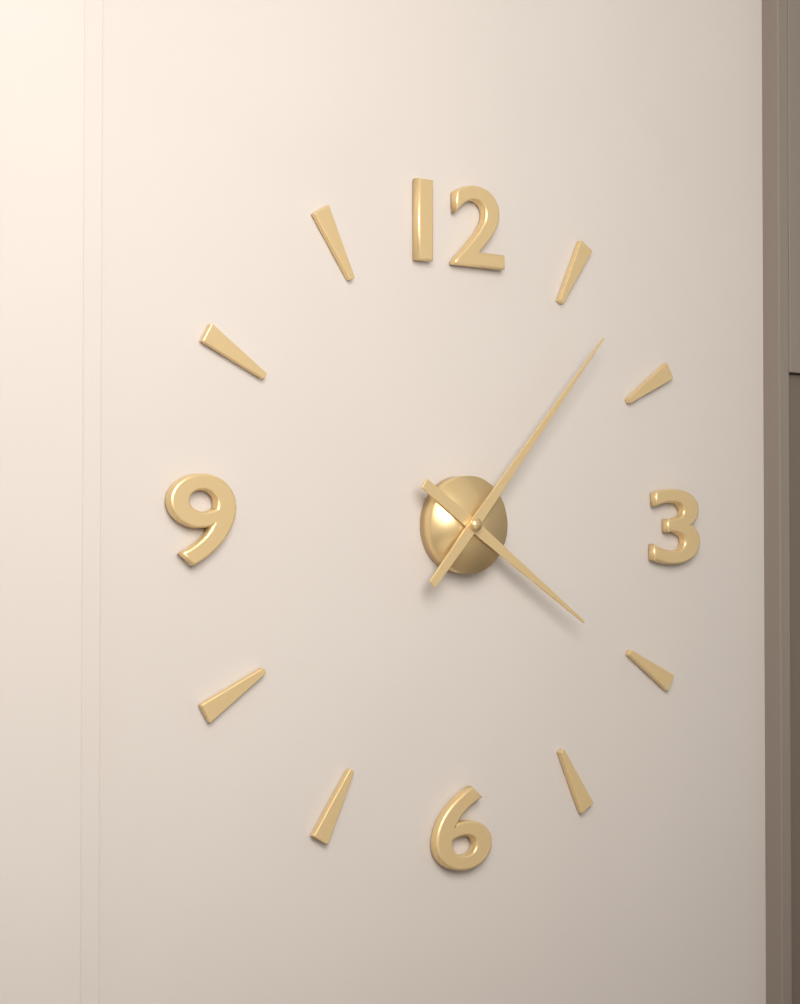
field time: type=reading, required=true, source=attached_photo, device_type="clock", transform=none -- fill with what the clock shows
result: 4:07
